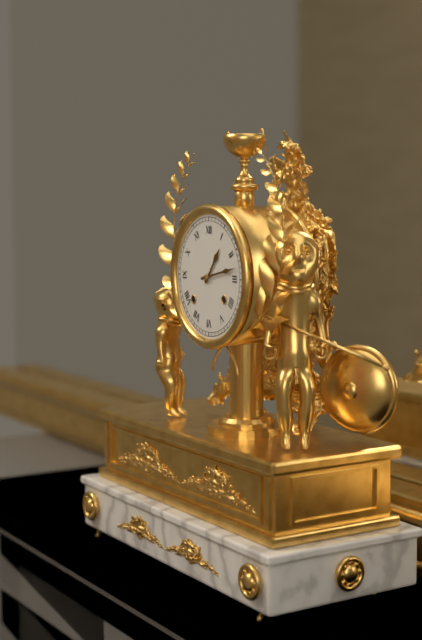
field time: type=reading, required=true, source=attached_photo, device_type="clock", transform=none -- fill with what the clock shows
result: 1:13
